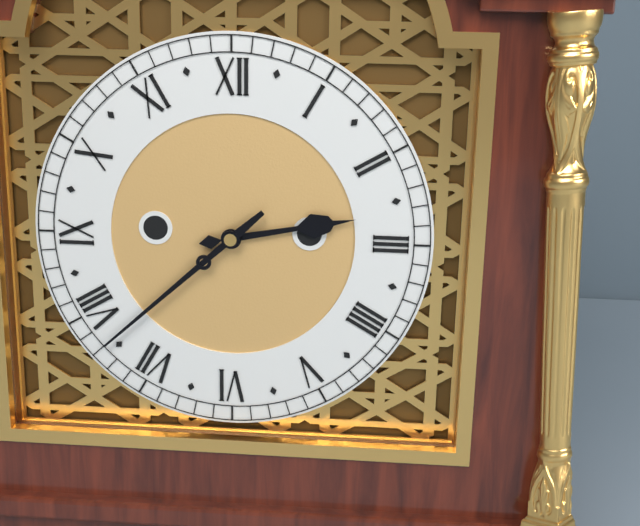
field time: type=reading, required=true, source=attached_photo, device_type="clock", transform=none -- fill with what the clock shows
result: 2:38
